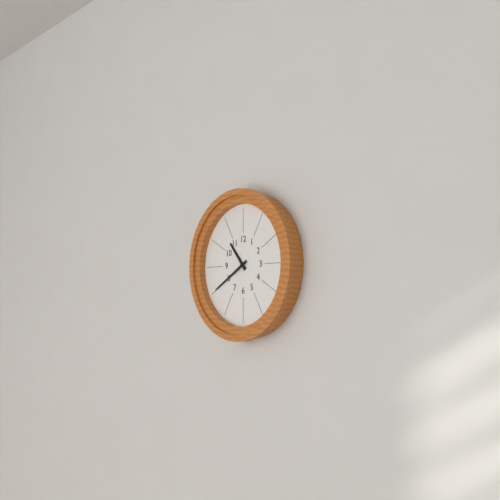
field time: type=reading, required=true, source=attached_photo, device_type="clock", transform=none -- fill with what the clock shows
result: 10:40
